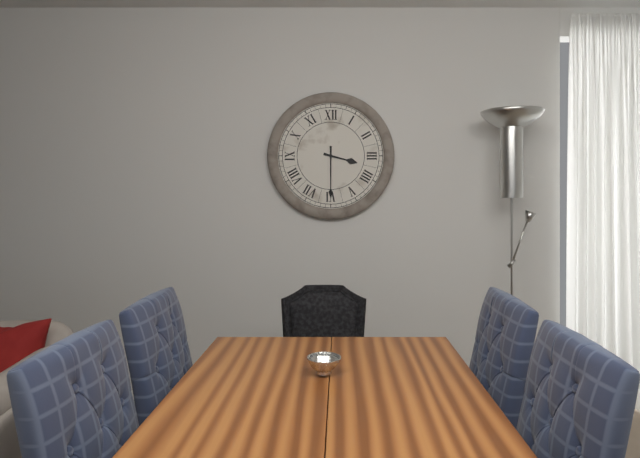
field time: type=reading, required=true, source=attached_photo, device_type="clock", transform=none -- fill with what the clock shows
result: 3:30
